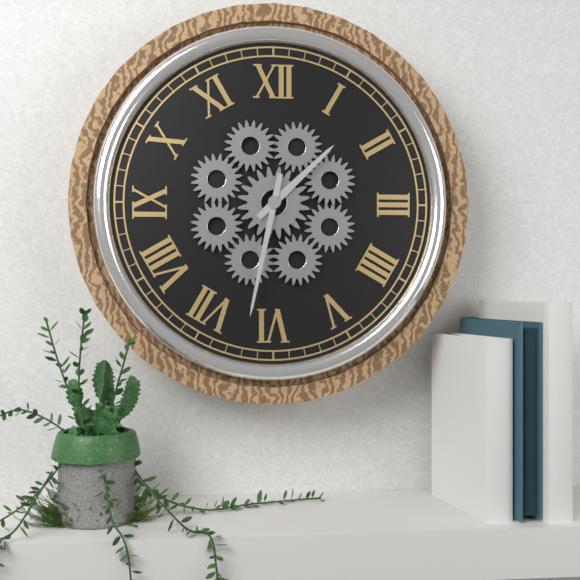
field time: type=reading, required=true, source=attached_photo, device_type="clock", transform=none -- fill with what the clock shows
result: 1:32
